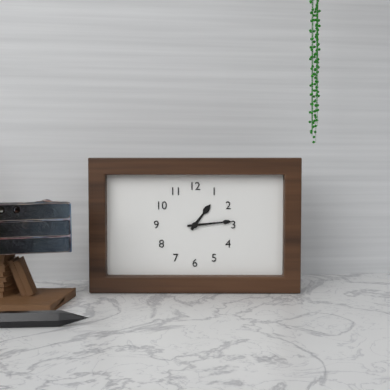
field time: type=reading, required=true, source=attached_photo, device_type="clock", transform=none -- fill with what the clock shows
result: 1:14
